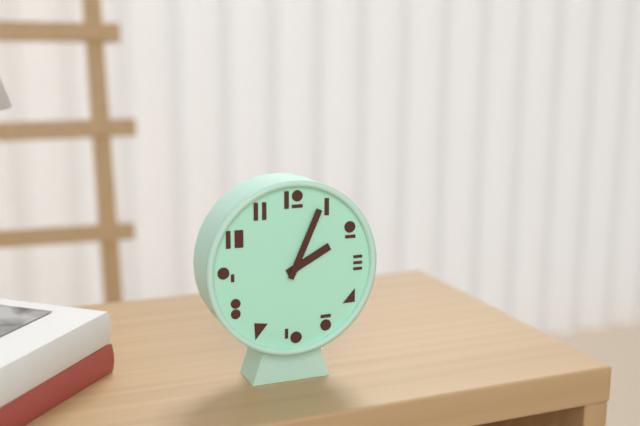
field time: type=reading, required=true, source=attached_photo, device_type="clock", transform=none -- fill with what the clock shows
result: 2:04
